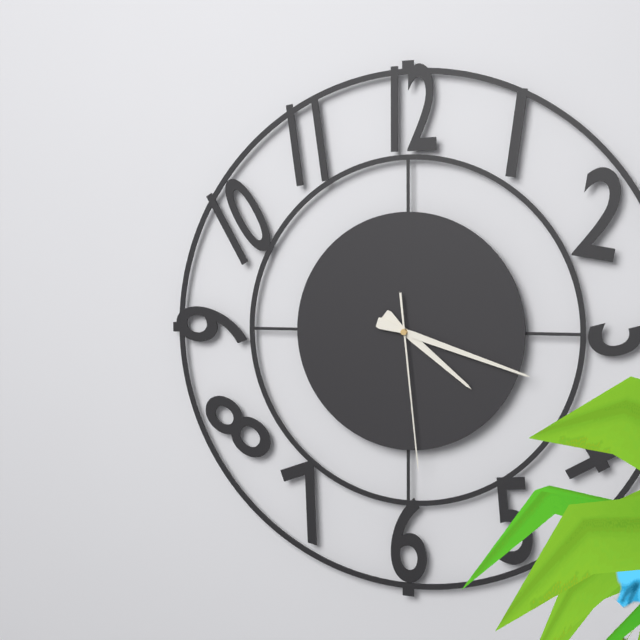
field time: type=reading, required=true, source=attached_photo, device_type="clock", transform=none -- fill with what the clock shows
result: 4:18:29
